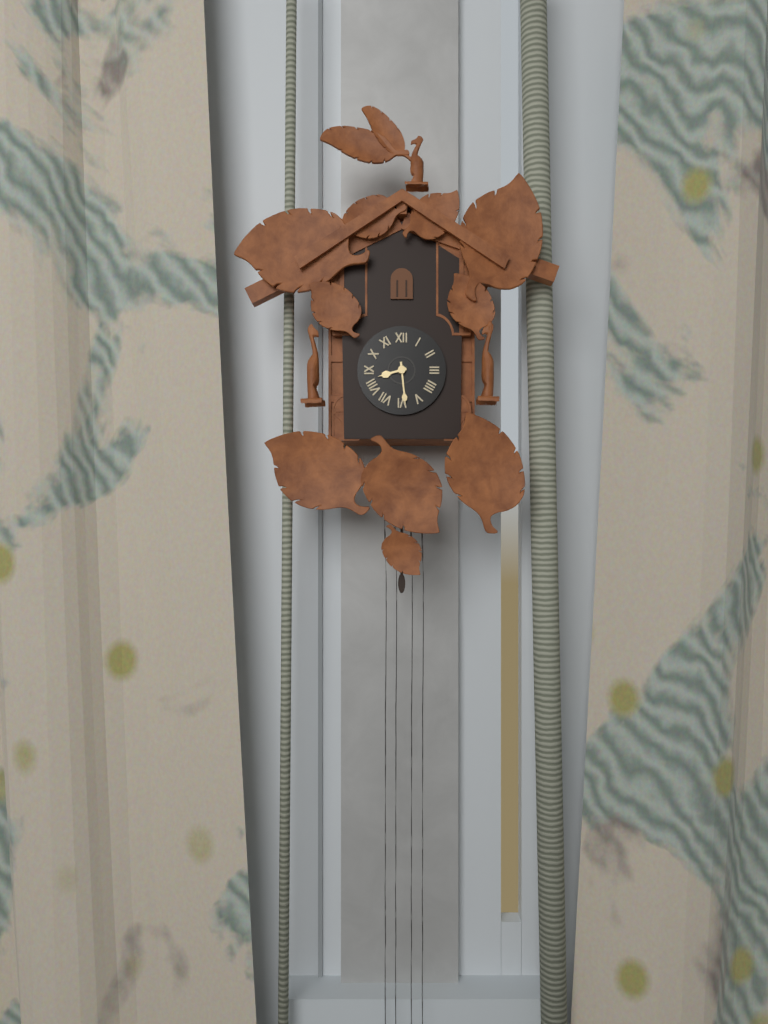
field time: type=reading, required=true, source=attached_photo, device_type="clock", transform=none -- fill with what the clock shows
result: 8:29
